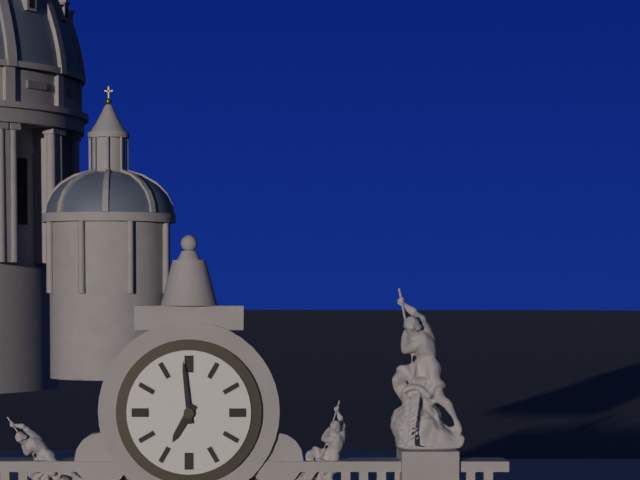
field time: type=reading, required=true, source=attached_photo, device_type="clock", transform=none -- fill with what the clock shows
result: 6:59
